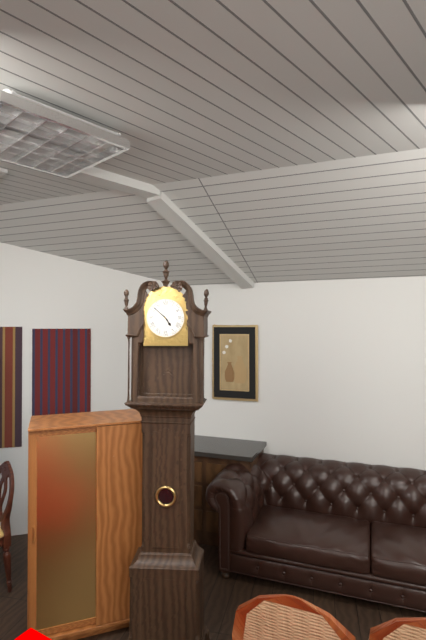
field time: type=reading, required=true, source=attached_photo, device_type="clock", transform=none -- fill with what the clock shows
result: 4:52
